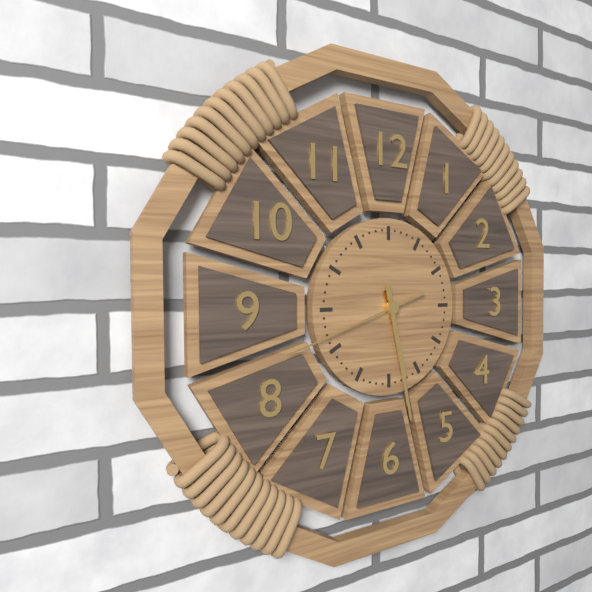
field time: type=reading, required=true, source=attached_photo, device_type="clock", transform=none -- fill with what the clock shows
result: 5:28:42
